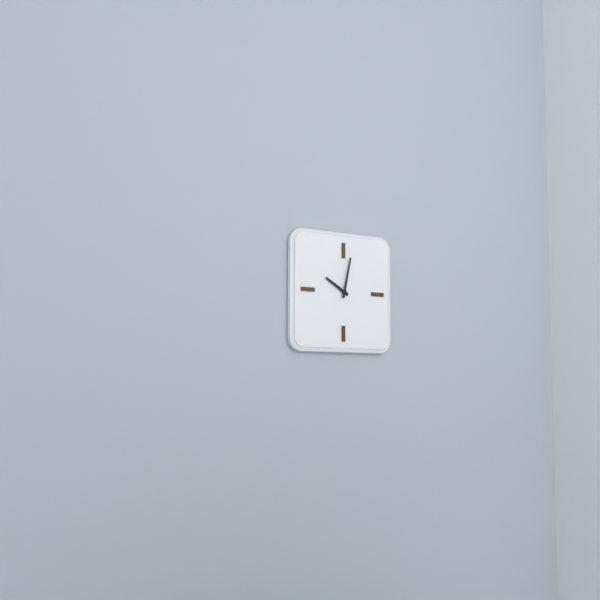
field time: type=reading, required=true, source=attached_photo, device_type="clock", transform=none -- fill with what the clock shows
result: 10:02
